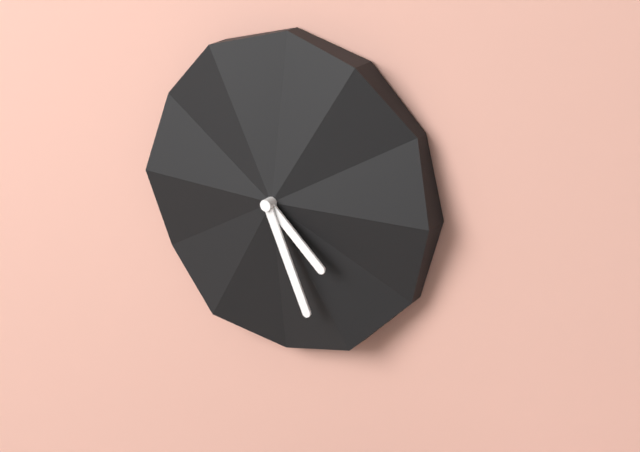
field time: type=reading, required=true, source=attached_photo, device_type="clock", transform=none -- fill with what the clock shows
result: 4:26
